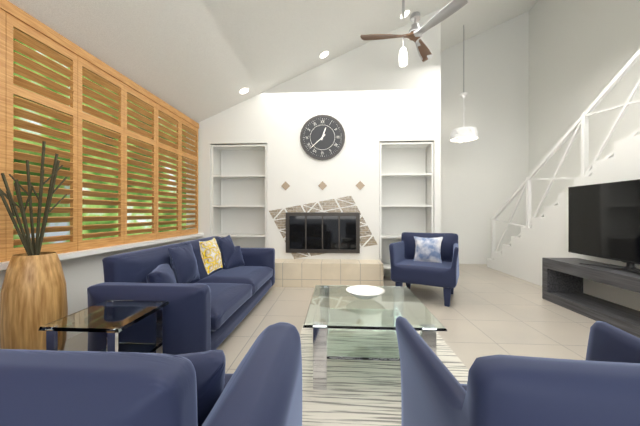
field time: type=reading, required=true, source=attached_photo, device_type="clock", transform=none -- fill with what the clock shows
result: 12:38
